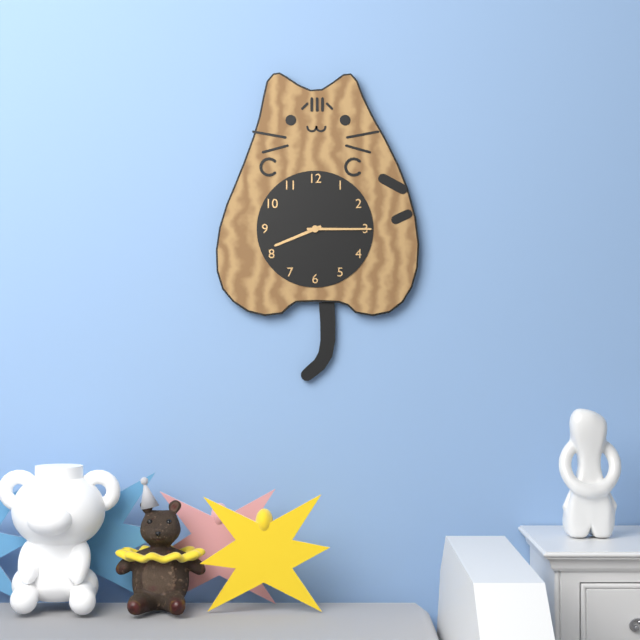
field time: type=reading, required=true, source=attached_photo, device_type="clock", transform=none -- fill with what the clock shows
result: 8:15
